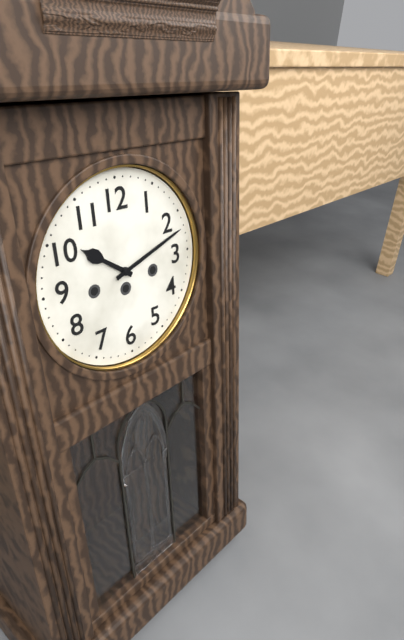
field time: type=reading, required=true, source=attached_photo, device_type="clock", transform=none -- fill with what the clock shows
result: 10:12
